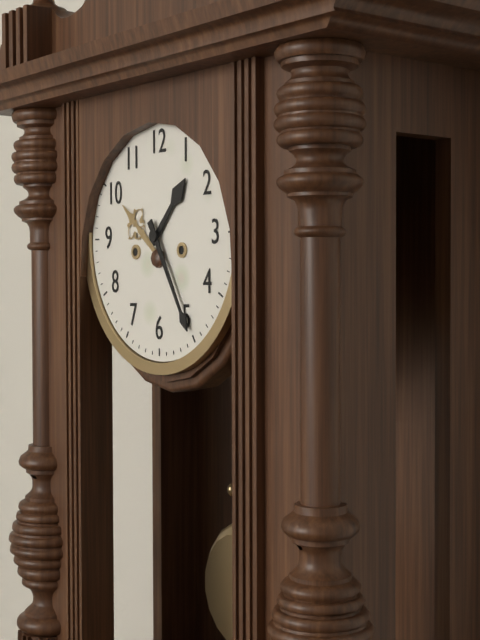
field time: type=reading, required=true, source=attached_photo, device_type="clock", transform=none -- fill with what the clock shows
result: 1:25
